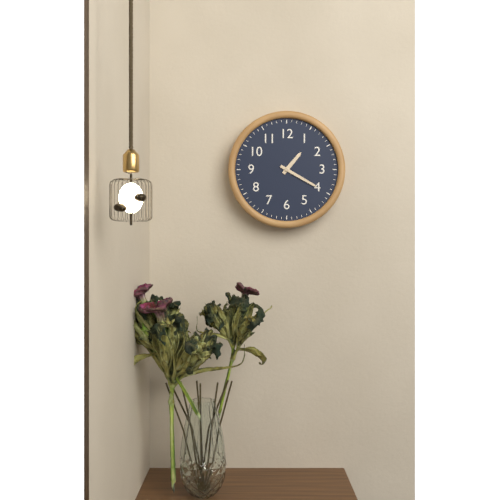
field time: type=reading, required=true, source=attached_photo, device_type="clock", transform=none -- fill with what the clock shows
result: 1:20
